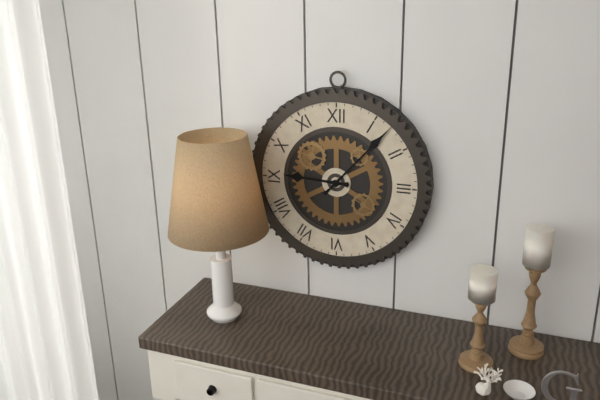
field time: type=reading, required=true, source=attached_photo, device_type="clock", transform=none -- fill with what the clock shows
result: 9:07
